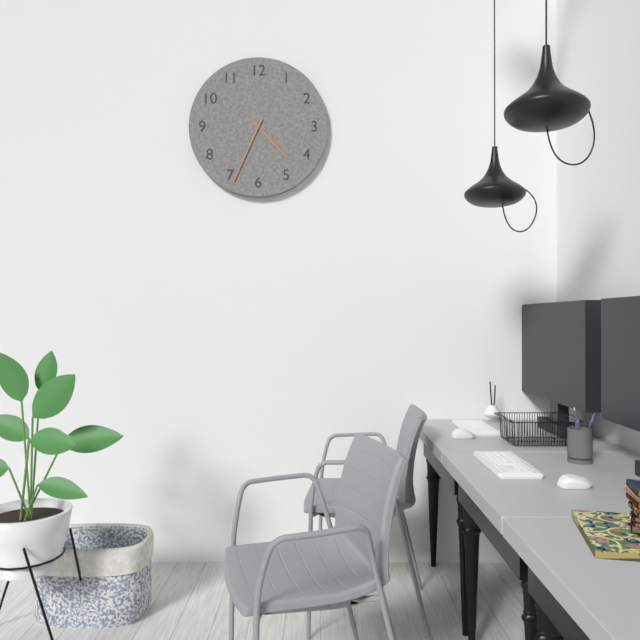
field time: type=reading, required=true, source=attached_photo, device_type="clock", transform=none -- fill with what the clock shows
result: 4:34
